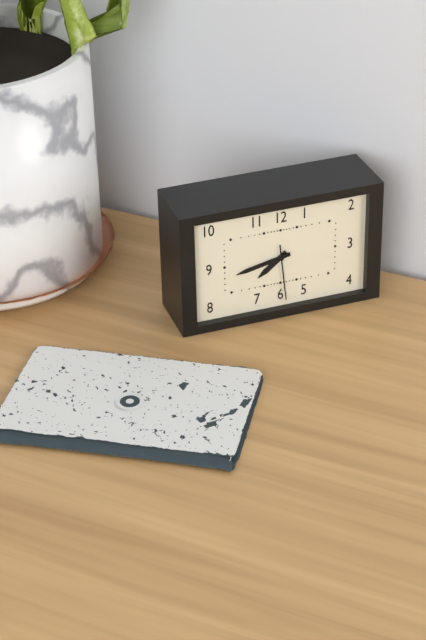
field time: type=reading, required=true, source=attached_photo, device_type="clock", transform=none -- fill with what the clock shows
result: 7:43:29
